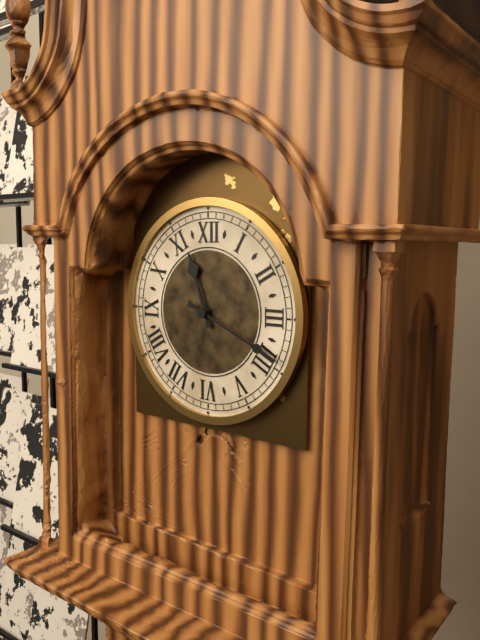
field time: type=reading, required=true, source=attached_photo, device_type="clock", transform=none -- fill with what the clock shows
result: 11:19
